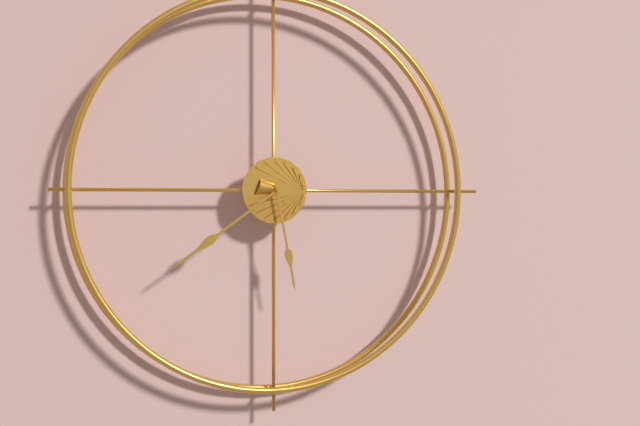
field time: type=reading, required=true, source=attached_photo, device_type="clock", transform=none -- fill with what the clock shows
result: 5:39
